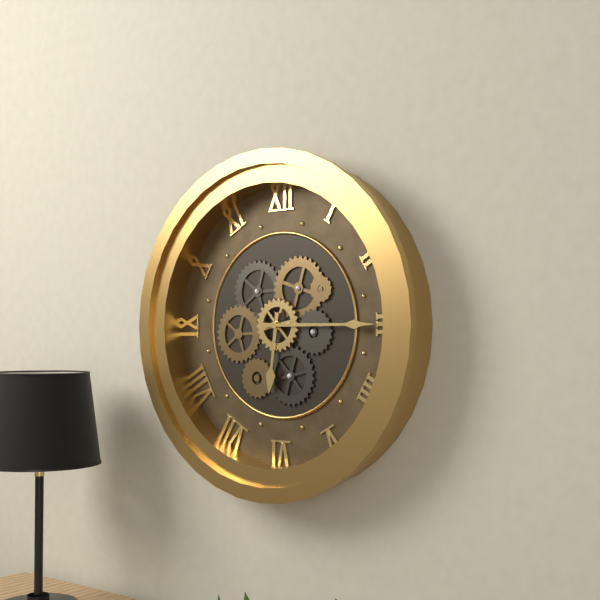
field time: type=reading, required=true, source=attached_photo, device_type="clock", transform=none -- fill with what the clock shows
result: 6:15
